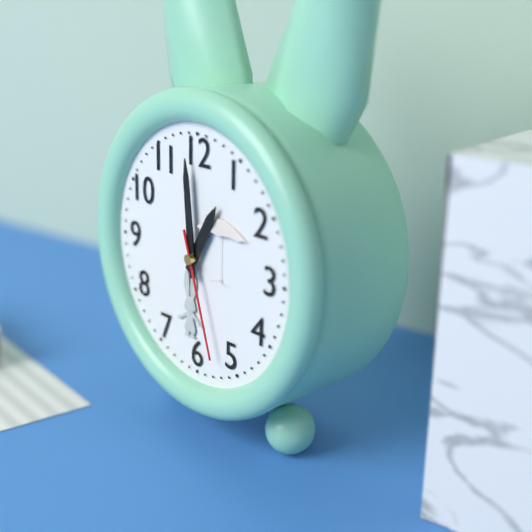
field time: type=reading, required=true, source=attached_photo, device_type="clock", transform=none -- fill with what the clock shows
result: 12:59:27
